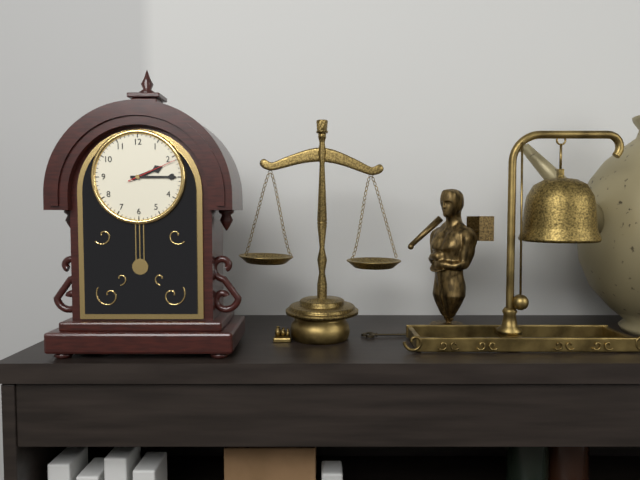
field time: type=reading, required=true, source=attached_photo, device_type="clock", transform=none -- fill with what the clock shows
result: 2:15:11
